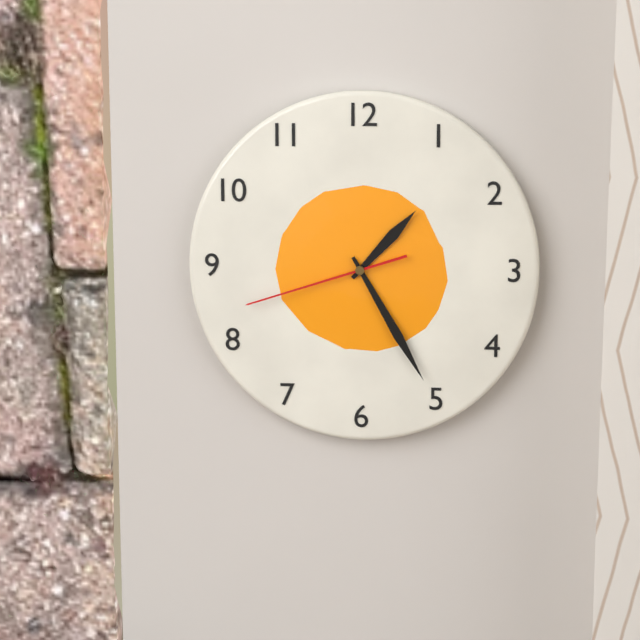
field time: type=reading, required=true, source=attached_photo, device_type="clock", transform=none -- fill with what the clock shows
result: 1:25:42
